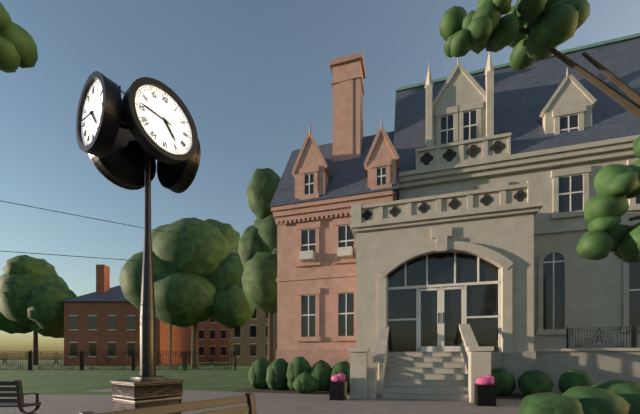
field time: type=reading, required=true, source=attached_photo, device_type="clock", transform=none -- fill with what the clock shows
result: 4:46
